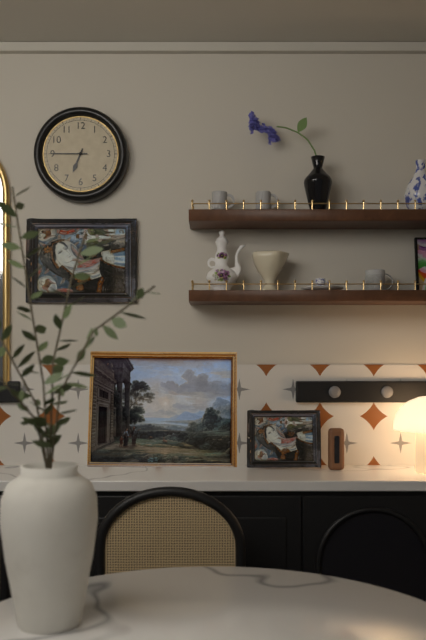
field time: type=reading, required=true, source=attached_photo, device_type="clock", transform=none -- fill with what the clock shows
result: 6:45
